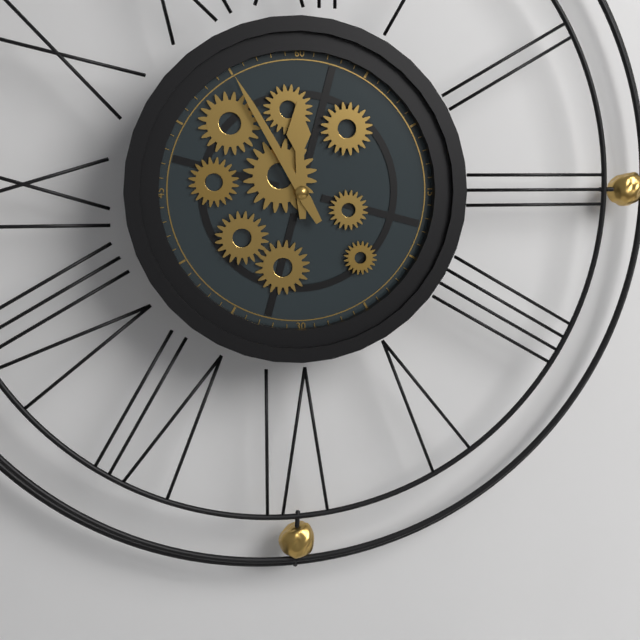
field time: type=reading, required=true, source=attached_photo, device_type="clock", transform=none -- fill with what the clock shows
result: 11:55
